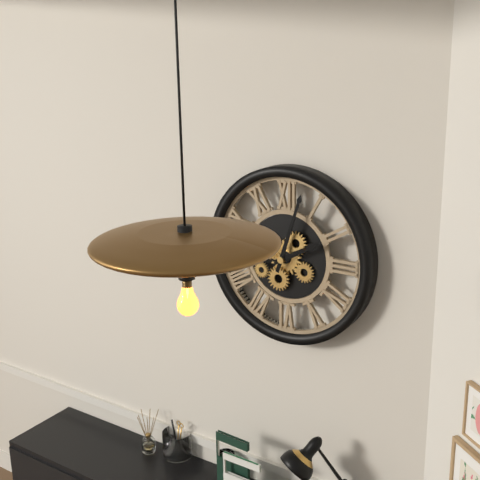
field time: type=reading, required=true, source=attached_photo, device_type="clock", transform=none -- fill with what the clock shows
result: 2:03
